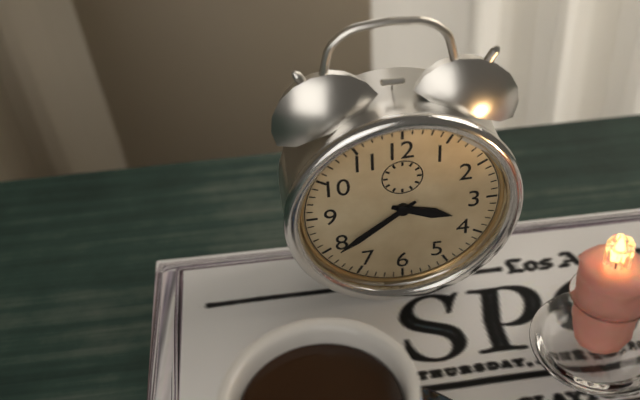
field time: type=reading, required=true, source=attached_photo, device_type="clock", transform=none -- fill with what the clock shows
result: 3:39
